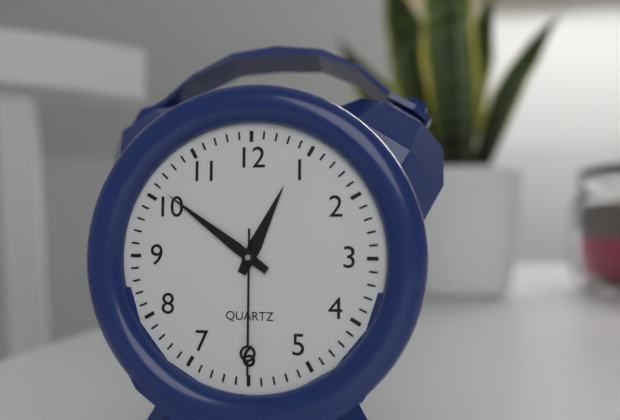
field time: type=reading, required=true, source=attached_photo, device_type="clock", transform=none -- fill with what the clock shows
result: 12:51:30
